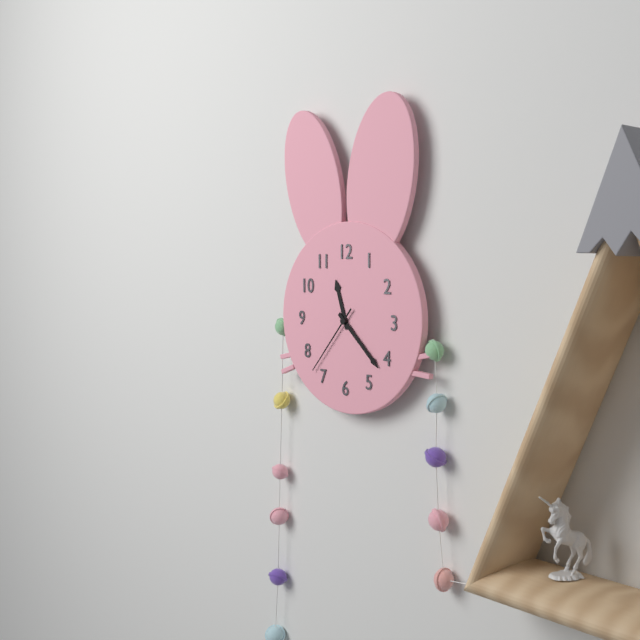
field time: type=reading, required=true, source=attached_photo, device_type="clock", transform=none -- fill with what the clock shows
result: 11:22:37
